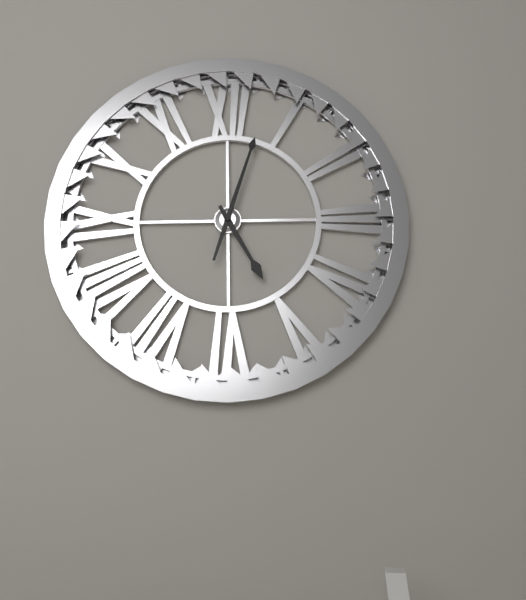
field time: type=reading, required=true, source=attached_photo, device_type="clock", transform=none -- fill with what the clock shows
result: 5:03
